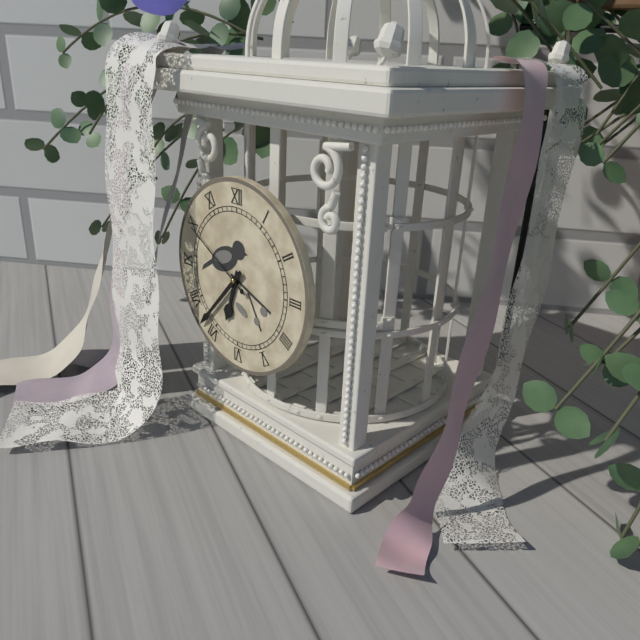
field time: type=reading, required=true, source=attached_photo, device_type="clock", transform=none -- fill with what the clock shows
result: 6:37:50
